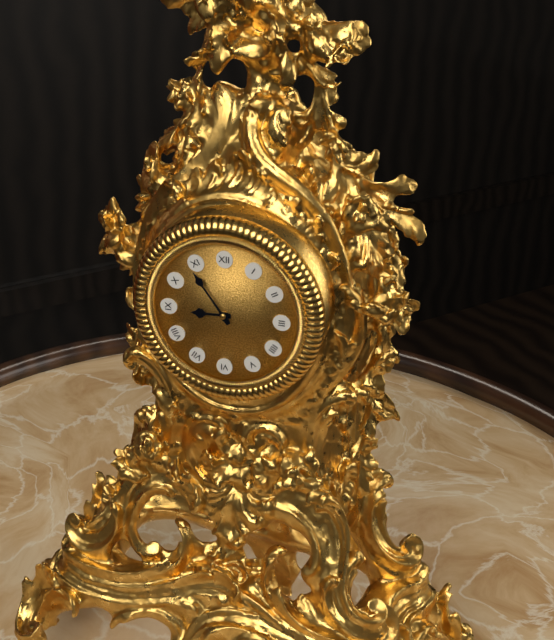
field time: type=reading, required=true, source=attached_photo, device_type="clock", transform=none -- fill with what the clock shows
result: 8:54
